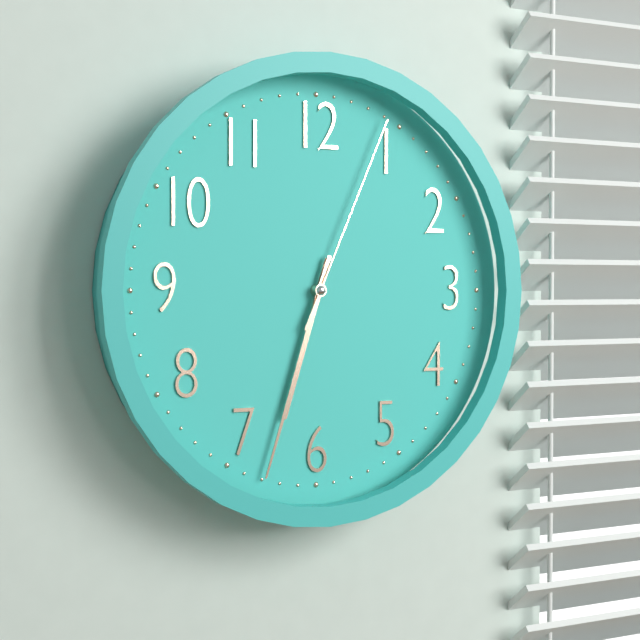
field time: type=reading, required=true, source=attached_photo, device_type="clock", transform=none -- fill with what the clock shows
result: 6:33:04
